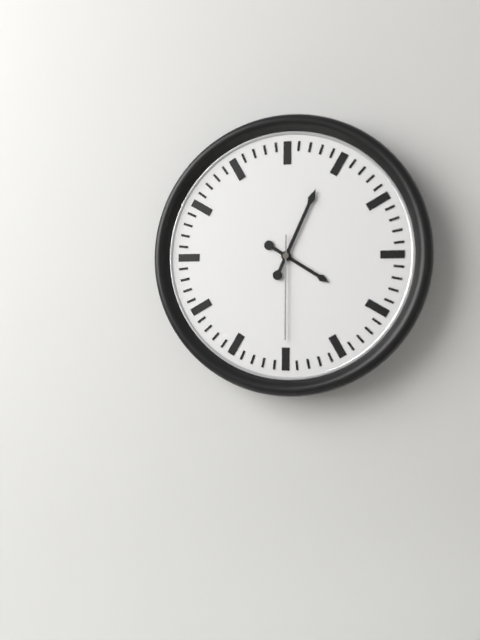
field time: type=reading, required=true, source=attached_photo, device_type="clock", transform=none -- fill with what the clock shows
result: 4:04:30
